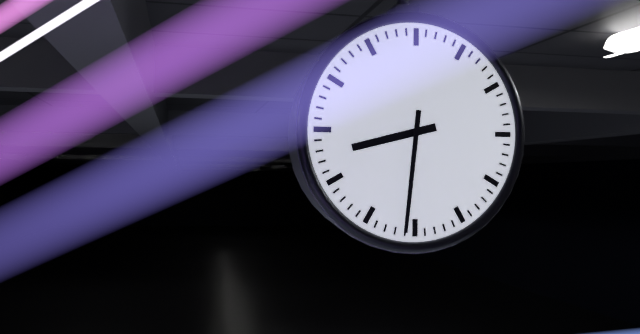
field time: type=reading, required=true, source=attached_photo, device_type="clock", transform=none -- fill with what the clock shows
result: 8:31
